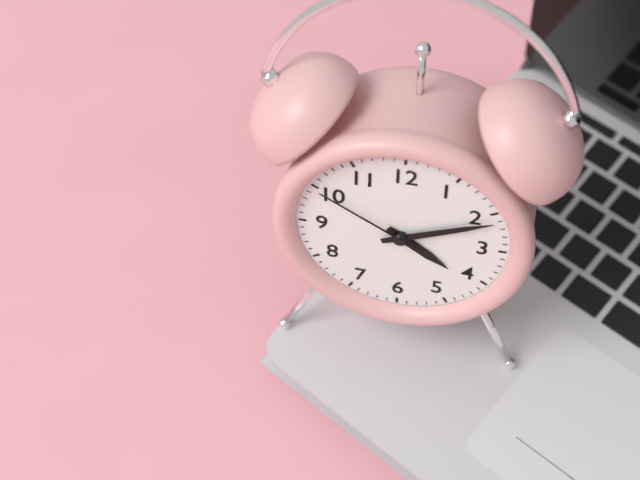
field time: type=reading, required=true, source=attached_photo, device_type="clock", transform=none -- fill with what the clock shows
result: 4:11:50
